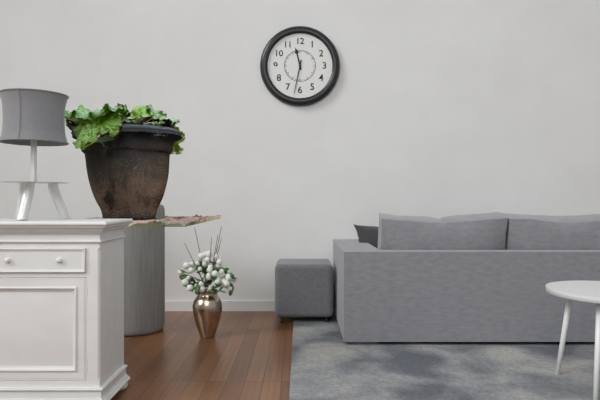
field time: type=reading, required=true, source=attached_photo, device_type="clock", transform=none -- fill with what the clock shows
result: 11:32
